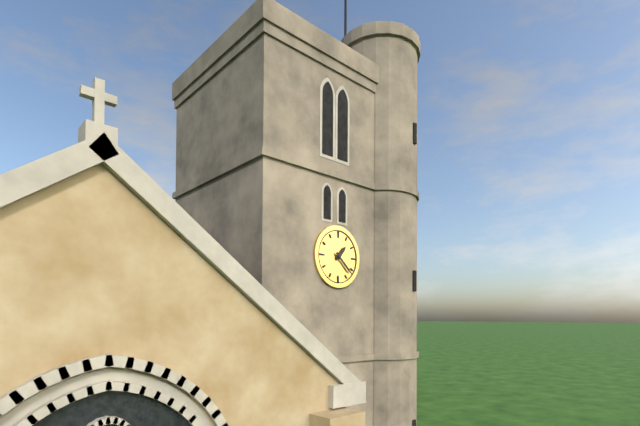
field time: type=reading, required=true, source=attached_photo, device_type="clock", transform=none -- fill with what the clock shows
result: 1:22
